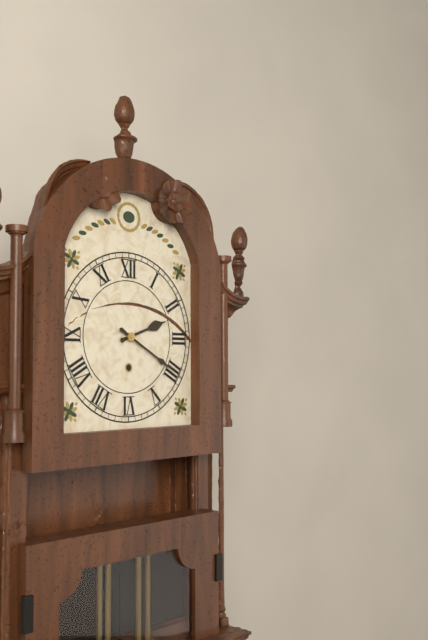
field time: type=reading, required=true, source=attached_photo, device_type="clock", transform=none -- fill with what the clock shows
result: 2:20
